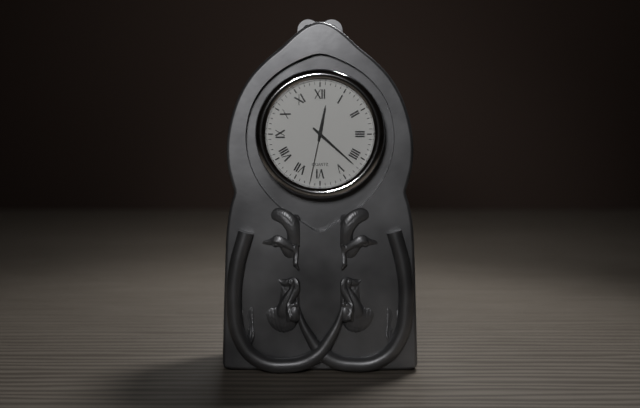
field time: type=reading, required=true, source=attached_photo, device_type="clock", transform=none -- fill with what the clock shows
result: 12:22:32
